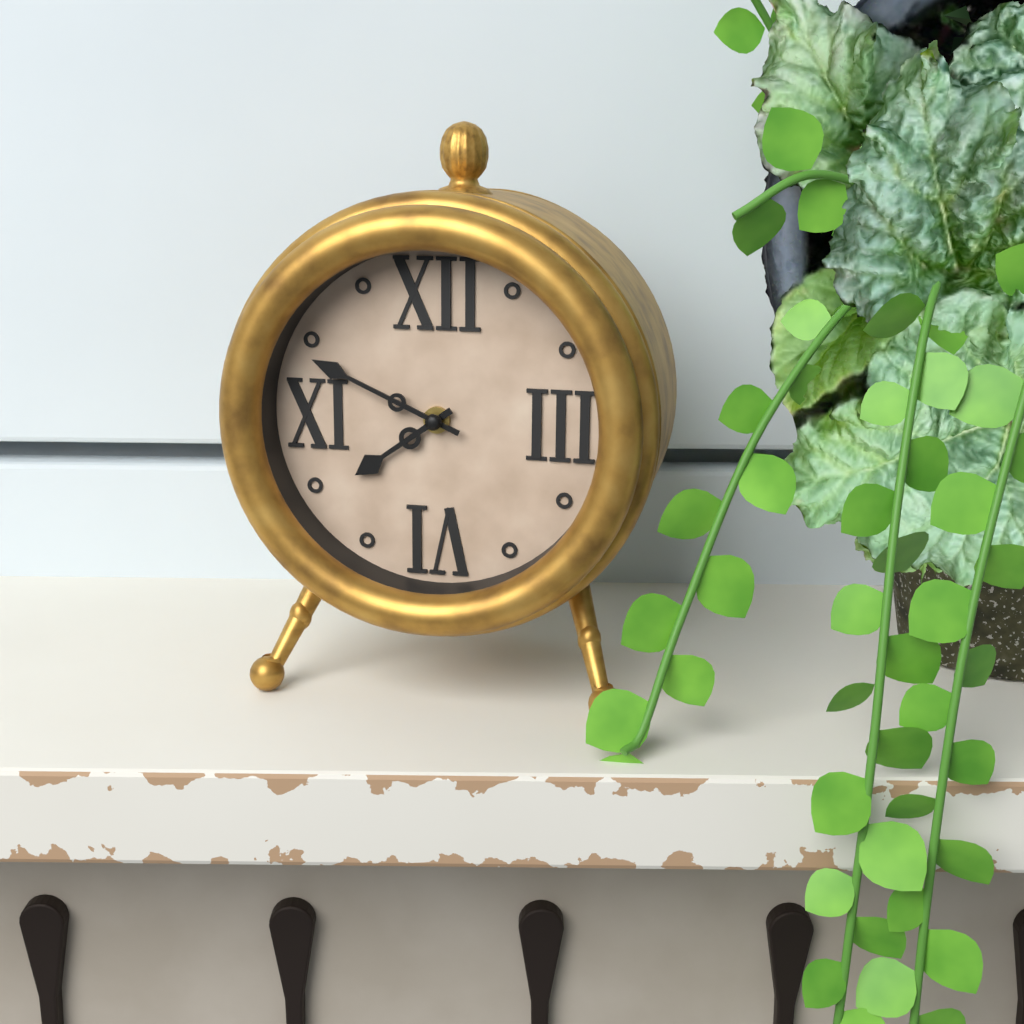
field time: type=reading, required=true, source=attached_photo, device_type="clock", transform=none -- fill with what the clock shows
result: 7:49
